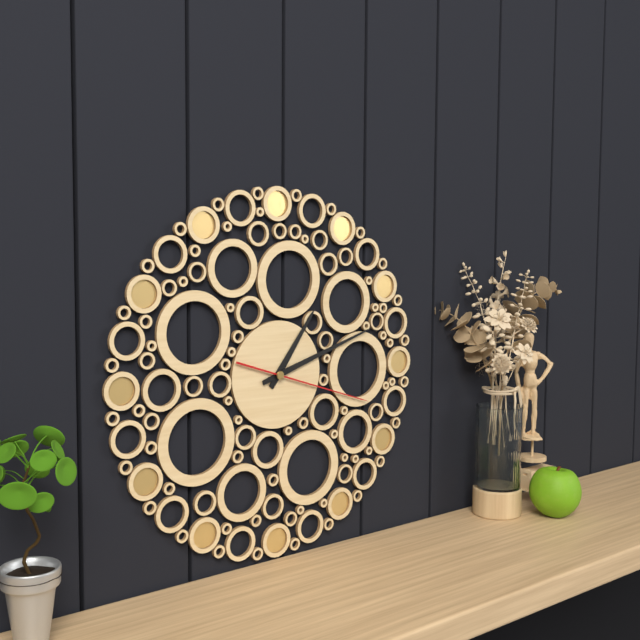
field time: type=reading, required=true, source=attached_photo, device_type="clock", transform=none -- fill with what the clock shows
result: 1:12:18
